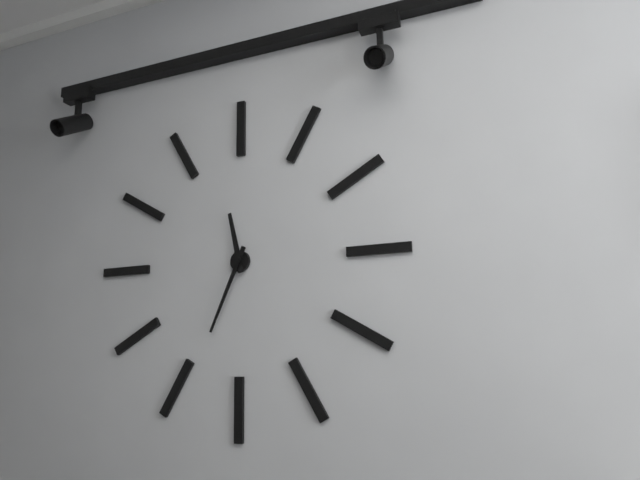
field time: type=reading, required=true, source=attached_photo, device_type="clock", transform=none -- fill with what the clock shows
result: 11:34
